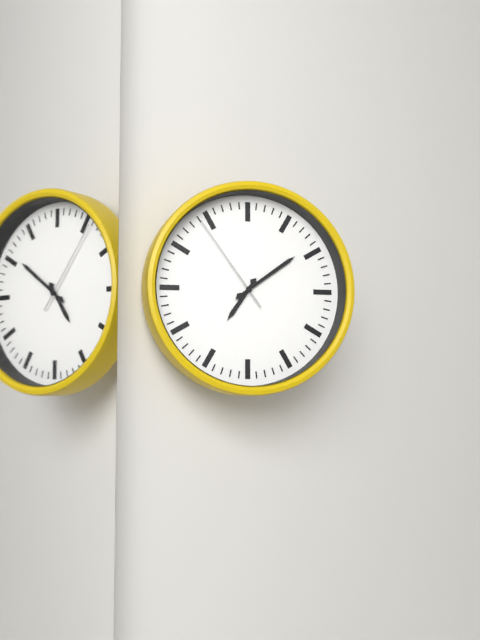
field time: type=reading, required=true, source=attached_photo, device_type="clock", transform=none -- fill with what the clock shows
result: 7:09:54
